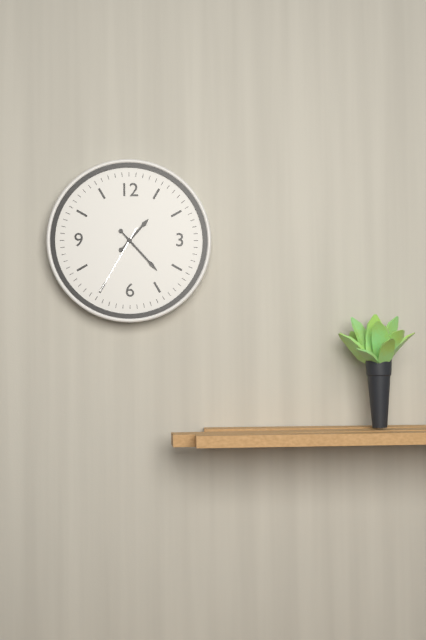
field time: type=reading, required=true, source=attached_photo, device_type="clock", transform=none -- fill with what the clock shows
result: 1:23:35
